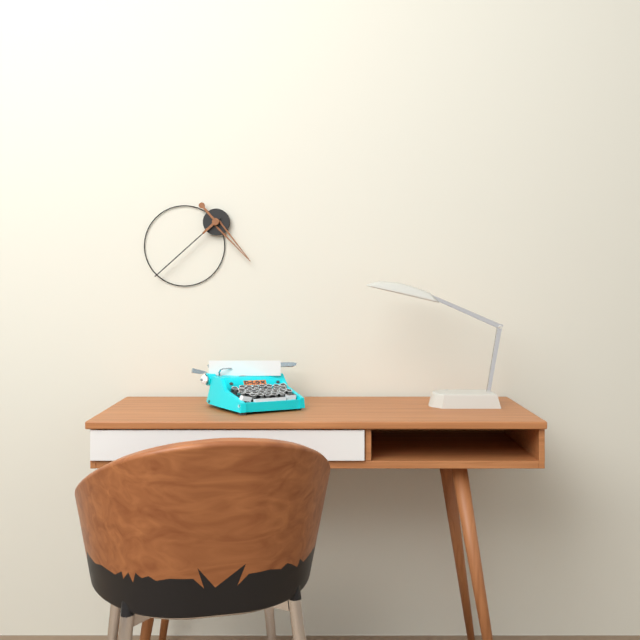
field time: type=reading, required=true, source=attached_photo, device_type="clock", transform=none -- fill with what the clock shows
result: 4:38
